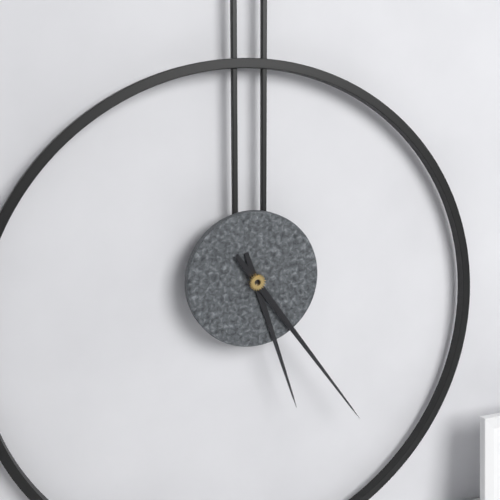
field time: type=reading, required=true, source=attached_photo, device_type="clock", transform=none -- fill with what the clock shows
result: 5:24
